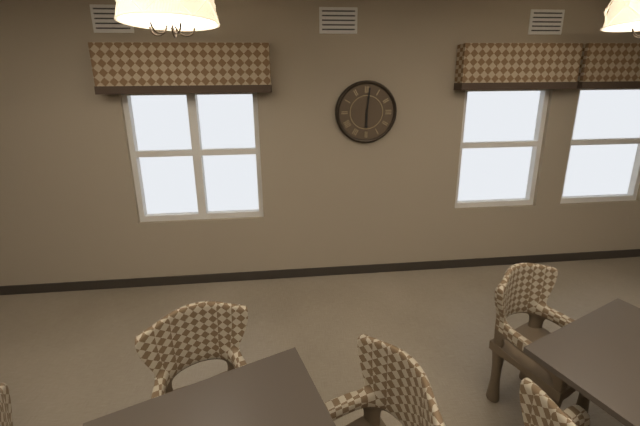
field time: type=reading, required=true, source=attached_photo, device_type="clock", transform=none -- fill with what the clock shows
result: 6:01
